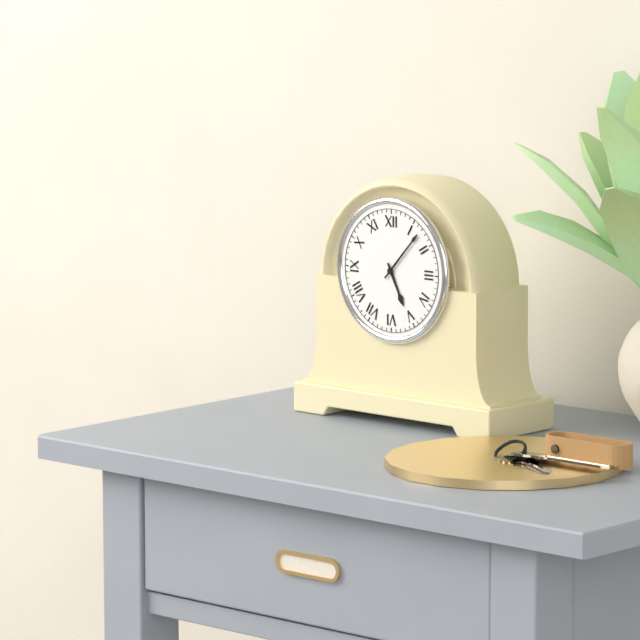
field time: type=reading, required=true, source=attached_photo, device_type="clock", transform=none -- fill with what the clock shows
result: 5:07
